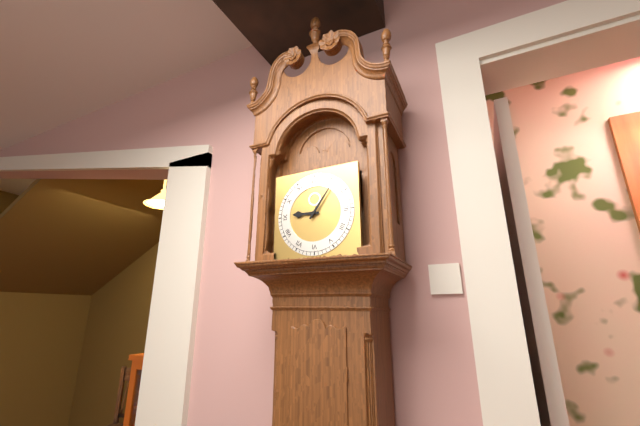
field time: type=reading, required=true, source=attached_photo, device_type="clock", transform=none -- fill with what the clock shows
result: 9:06
